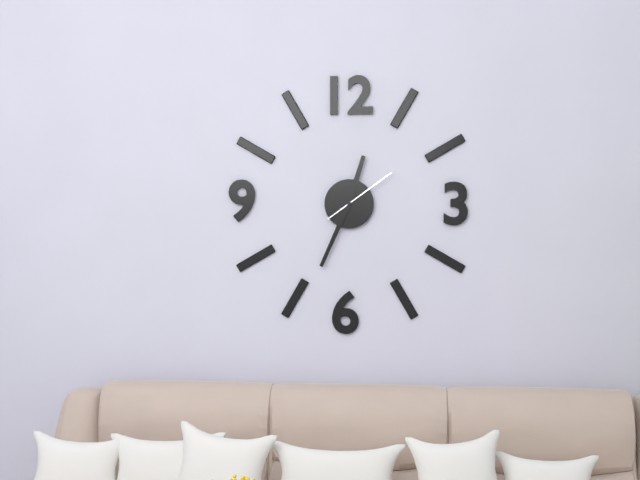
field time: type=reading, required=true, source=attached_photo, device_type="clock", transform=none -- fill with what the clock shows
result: 12:34:09
